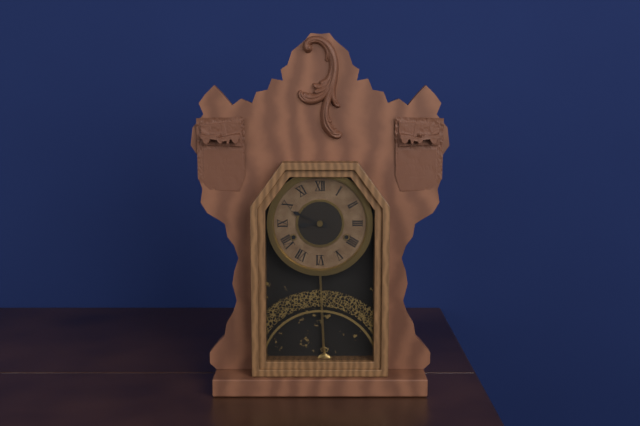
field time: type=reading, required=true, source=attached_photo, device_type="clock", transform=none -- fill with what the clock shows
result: 8:49
